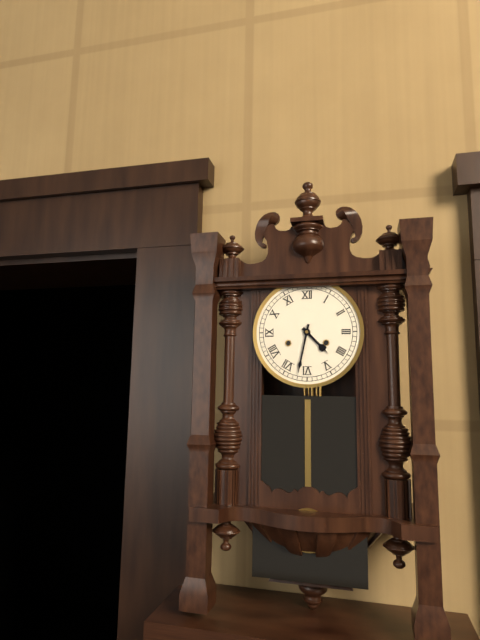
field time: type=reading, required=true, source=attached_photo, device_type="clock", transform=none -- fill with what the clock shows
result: 4:32
